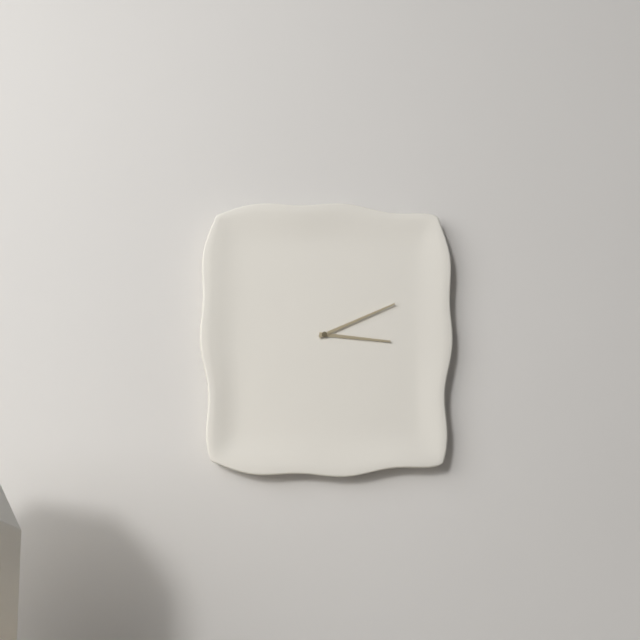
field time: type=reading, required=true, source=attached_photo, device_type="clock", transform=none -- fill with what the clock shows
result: 3:11
